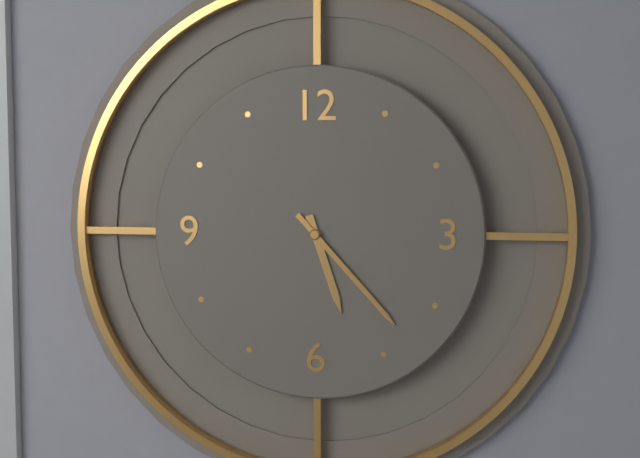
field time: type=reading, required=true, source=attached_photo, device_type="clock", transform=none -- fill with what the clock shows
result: 5:23
